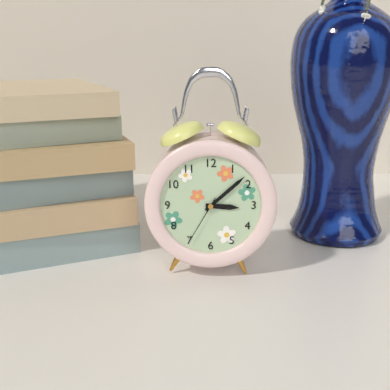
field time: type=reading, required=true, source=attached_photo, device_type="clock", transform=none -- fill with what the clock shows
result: 3:08:35
